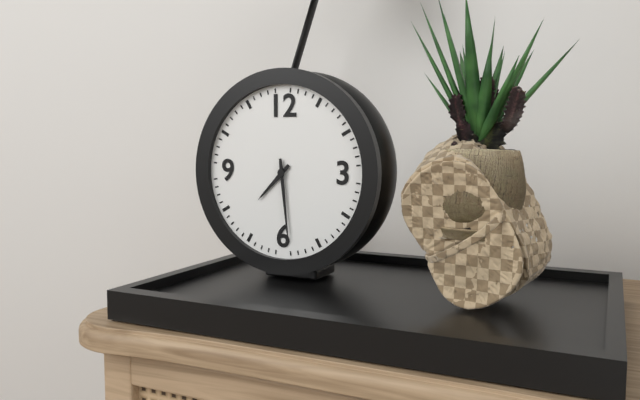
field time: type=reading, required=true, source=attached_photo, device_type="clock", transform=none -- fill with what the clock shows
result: 7:29
